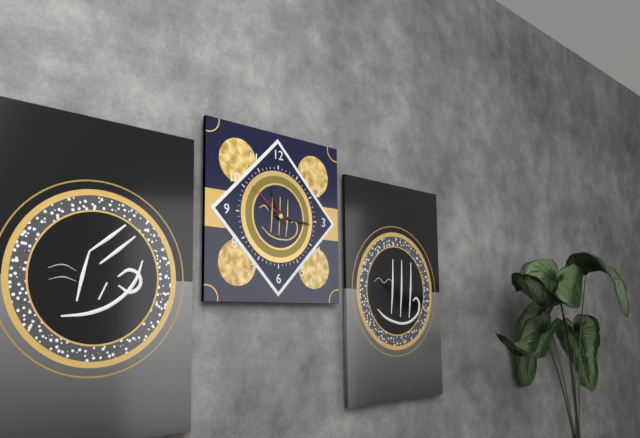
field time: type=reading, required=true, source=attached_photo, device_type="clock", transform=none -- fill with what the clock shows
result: 11:16:51
